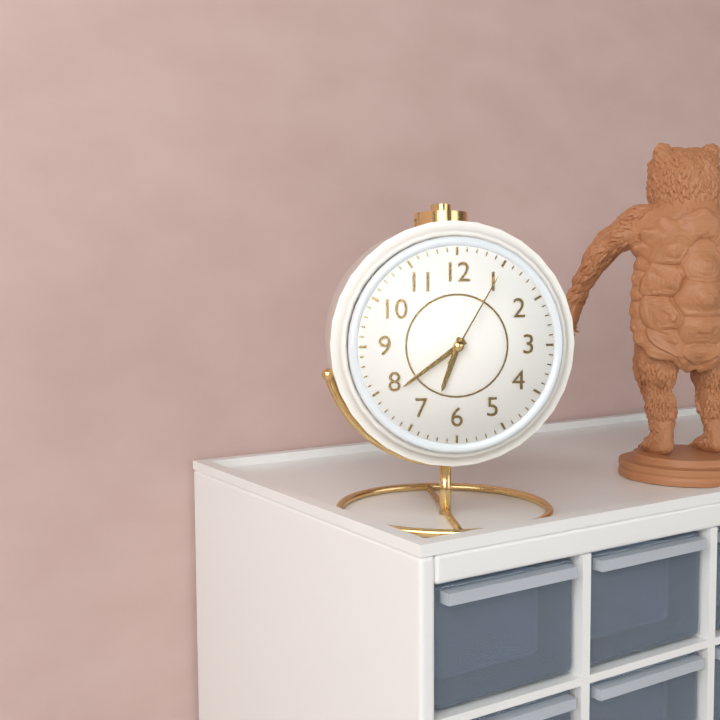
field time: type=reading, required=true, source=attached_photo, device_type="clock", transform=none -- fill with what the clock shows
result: 6:39:05
